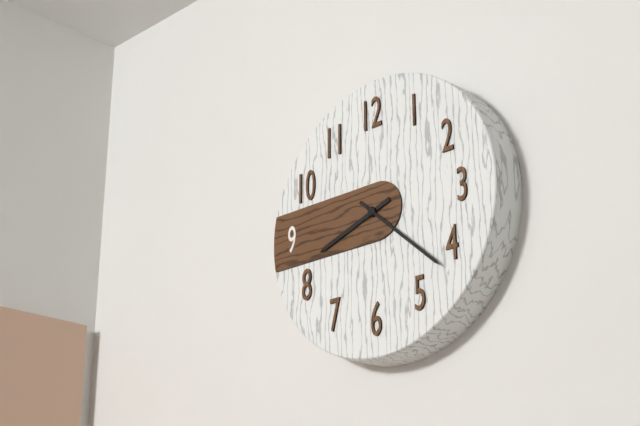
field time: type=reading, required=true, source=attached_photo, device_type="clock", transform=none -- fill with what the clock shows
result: 8:22
